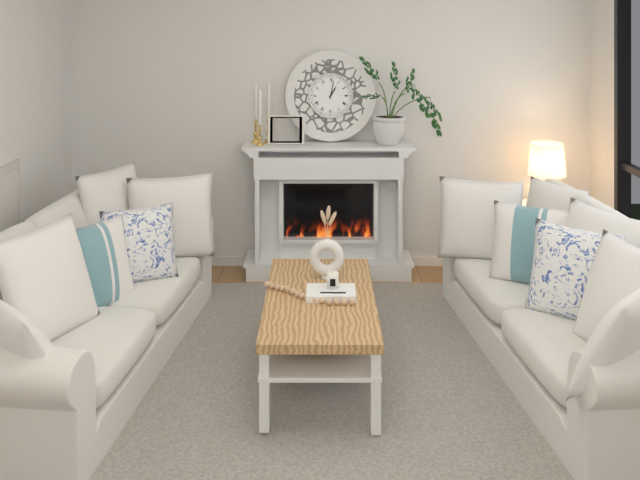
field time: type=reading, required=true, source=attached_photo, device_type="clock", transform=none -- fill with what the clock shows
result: 1:02
